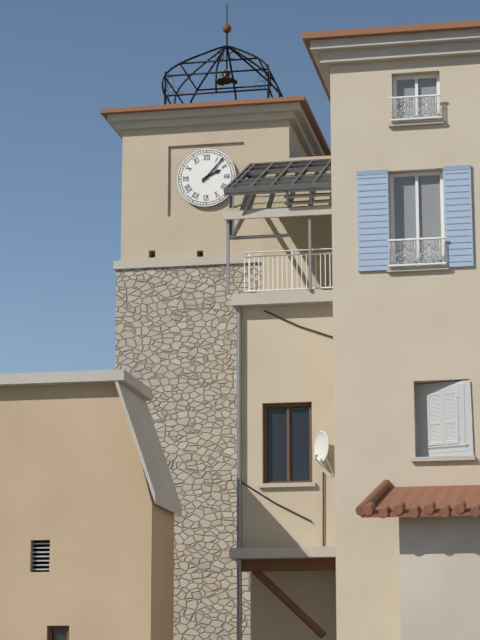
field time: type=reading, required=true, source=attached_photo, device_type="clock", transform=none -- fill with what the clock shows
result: 2:07
